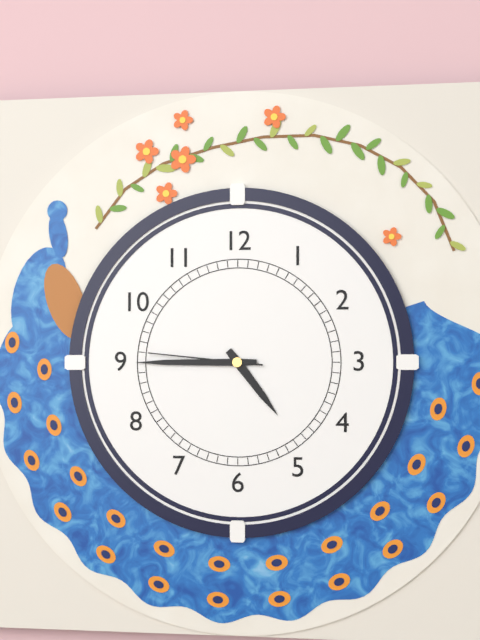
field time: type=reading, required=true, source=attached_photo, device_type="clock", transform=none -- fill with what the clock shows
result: 4:45:46
